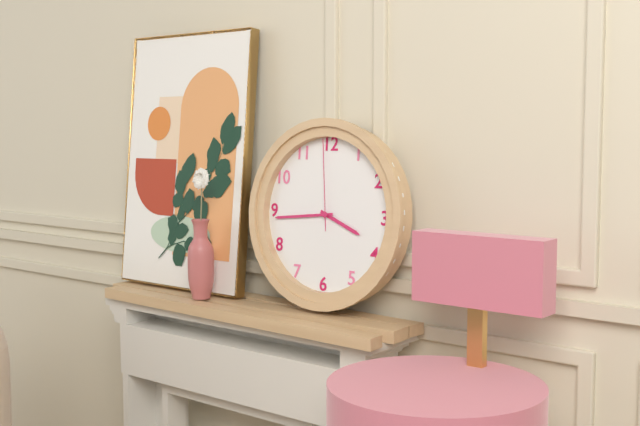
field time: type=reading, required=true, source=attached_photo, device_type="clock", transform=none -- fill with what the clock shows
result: 3:44:59
